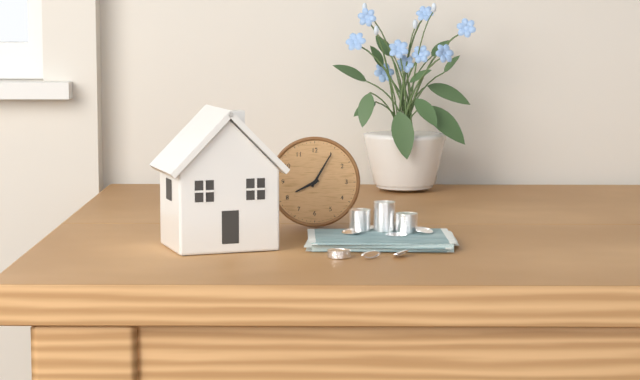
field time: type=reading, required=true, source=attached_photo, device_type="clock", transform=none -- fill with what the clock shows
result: 8:05
